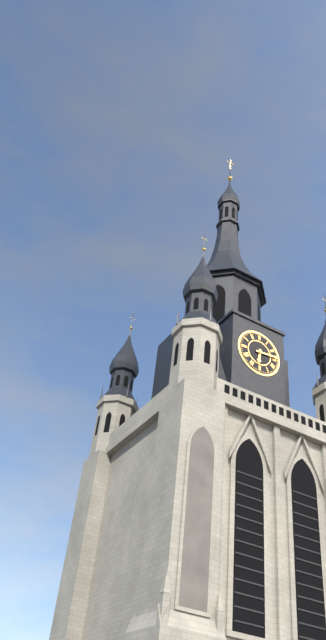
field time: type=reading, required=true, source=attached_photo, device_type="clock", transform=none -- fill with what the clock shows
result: 6:14
